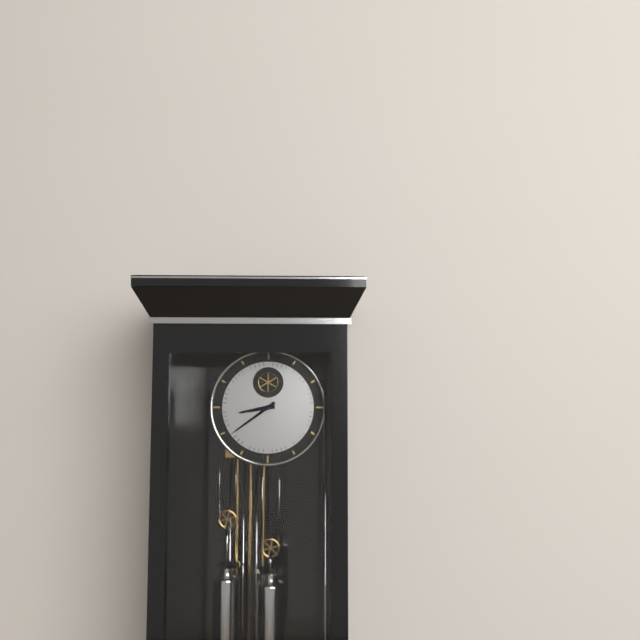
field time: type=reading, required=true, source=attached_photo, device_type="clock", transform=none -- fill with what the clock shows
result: 8:39
